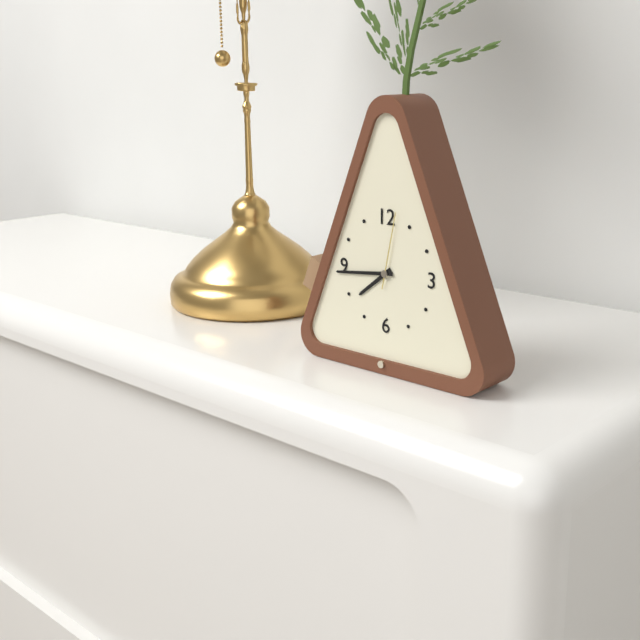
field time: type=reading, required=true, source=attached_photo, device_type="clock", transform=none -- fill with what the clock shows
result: 7:44:02
